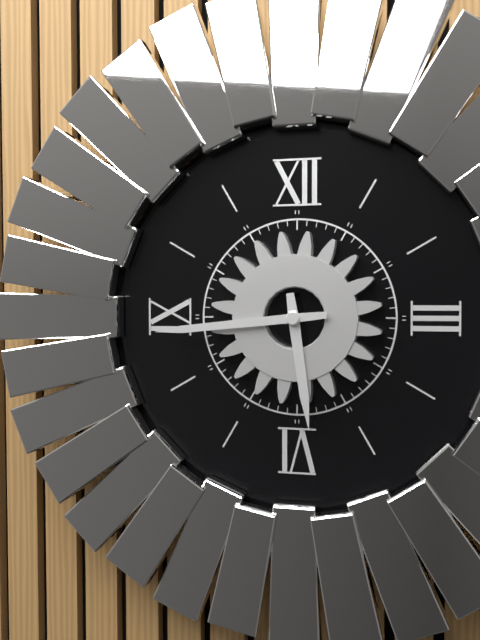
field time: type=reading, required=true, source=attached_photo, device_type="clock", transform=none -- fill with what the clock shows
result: 5:44
